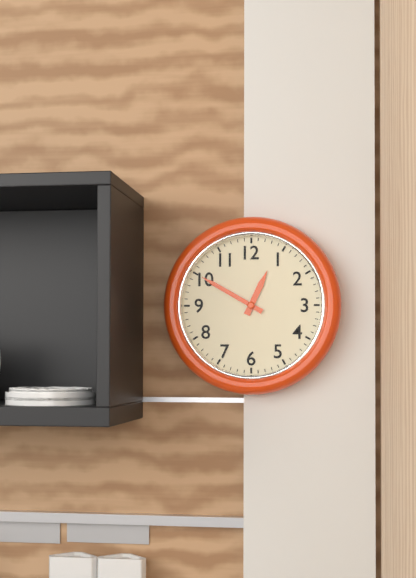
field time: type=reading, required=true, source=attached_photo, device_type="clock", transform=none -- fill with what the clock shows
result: 12:50
